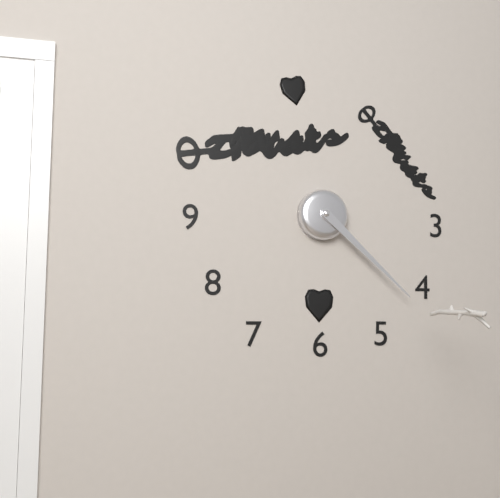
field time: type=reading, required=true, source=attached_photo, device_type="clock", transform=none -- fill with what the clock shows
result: 4:22
